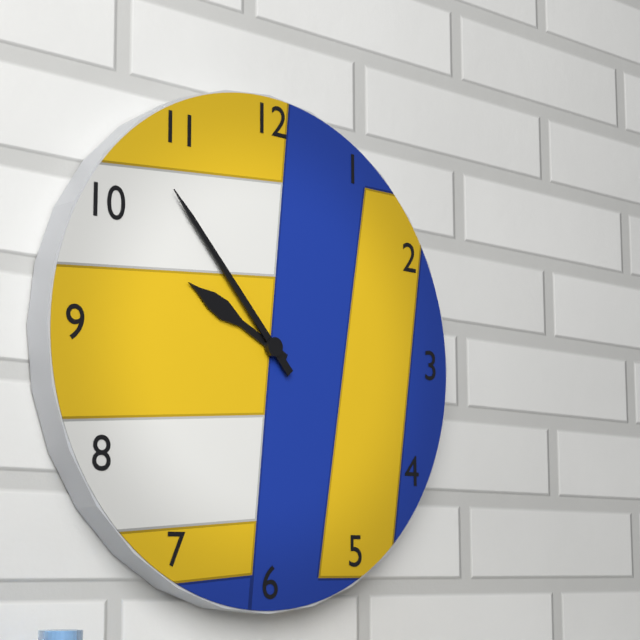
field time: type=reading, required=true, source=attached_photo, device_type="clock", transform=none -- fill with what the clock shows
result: 9:53
